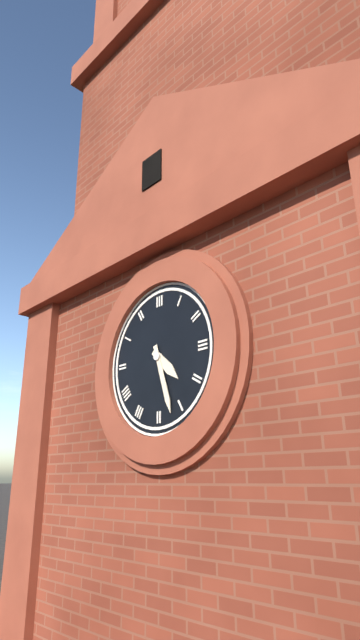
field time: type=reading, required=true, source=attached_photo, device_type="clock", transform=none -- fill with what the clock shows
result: 4:27
